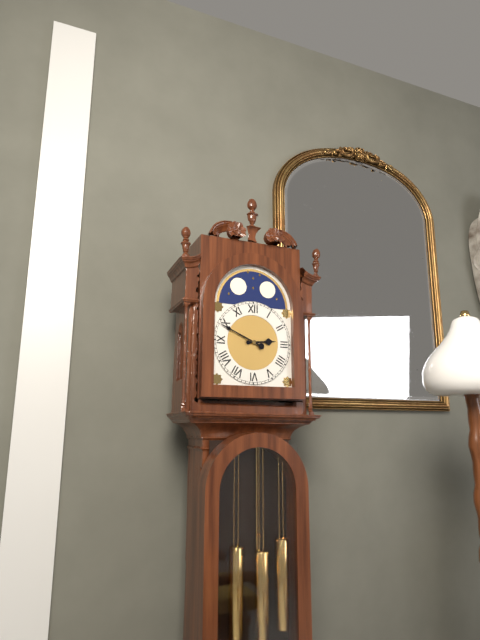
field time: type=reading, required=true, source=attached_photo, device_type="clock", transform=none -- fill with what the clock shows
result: 2:49
